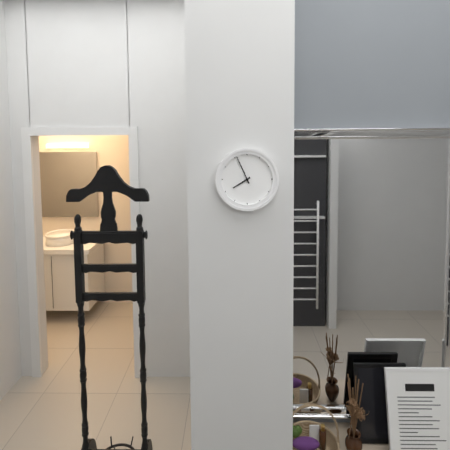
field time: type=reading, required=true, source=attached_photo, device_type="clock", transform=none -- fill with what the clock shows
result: 7:56
